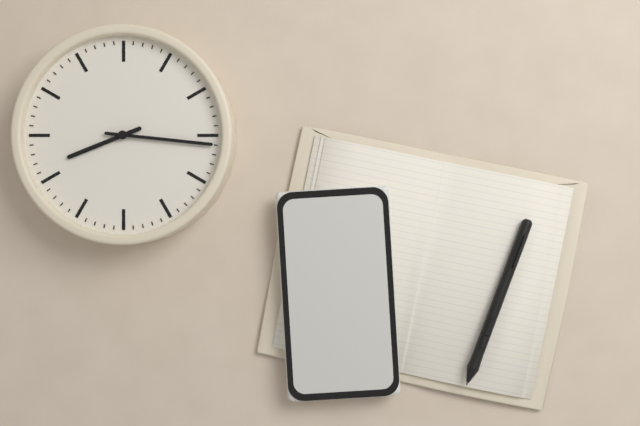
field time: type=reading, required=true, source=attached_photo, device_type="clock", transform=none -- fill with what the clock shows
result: 8:16
